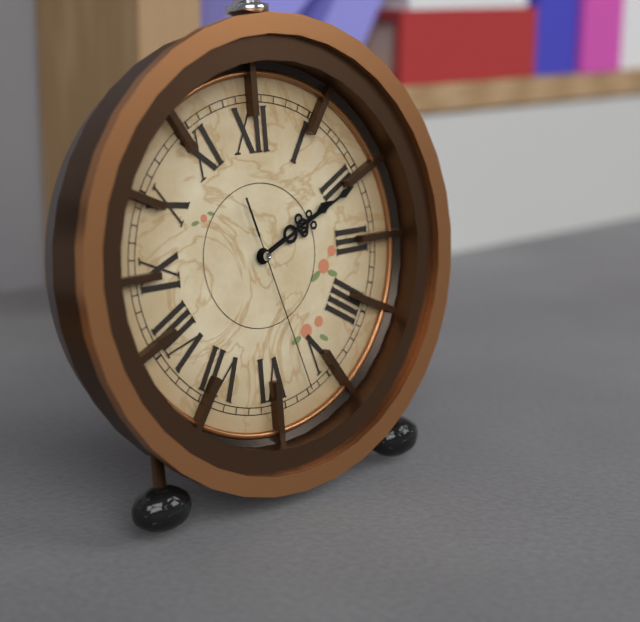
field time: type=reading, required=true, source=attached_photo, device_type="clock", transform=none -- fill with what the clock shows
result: 2:11:27
